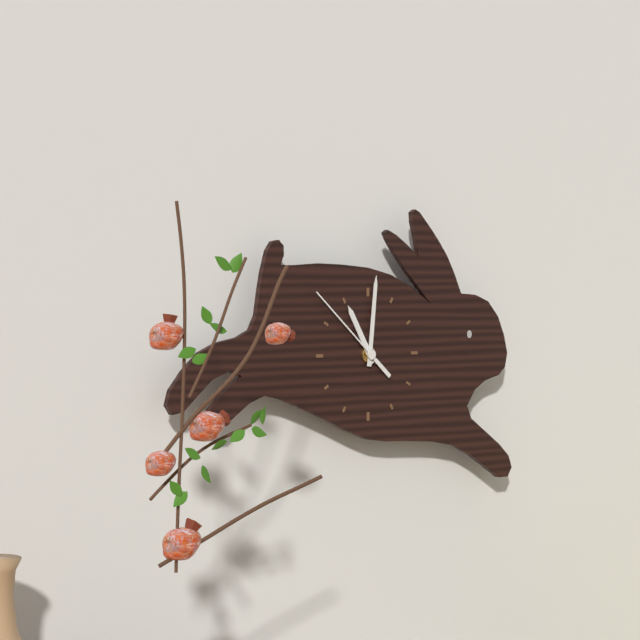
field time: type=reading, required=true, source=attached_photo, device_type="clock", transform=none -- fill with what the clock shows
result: 11:01:52
